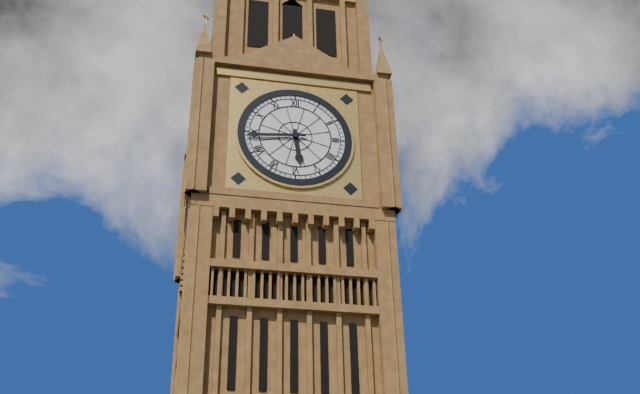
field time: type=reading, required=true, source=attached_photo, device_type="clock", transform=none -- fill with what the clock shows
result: 5:44
